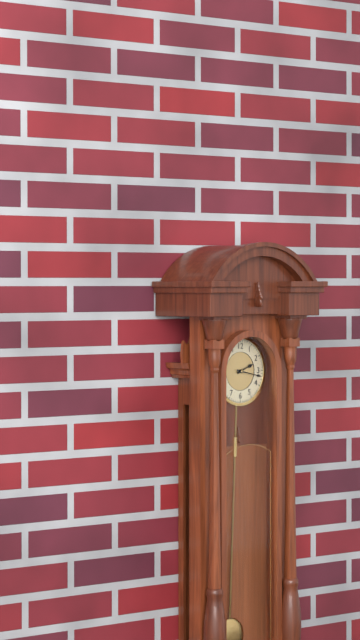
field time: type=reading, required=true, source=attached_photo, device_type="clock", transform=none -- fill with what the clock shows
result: 2:17
